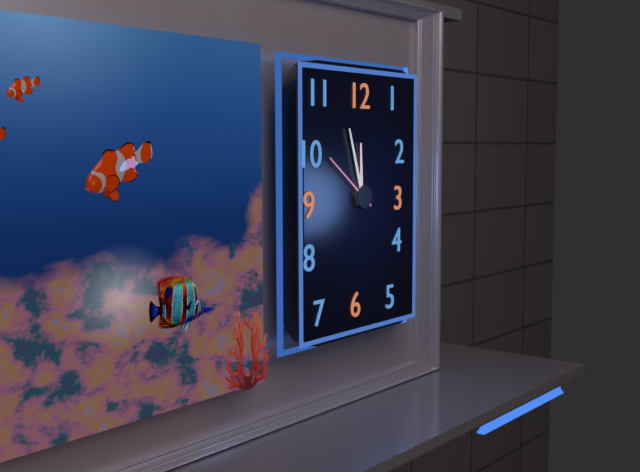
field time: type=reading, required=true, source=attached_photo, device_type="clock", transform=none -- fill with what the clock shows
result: 11:57:51
